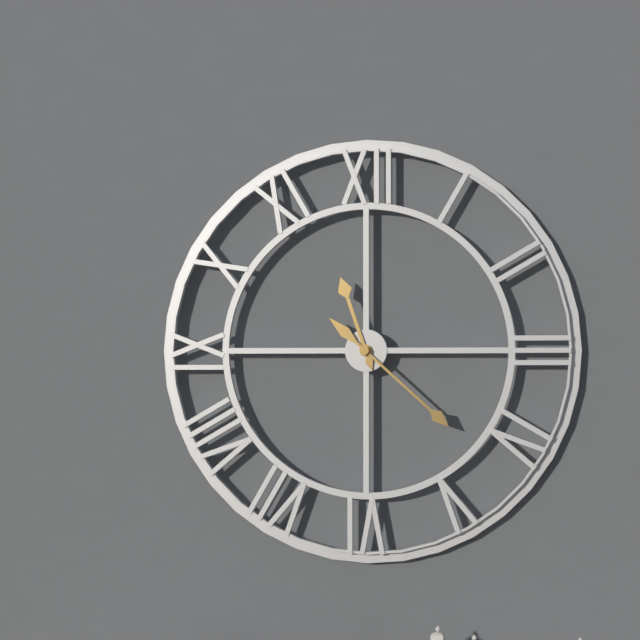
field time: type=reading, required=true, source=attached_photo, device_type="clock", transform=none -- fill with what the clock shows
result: 11:22
